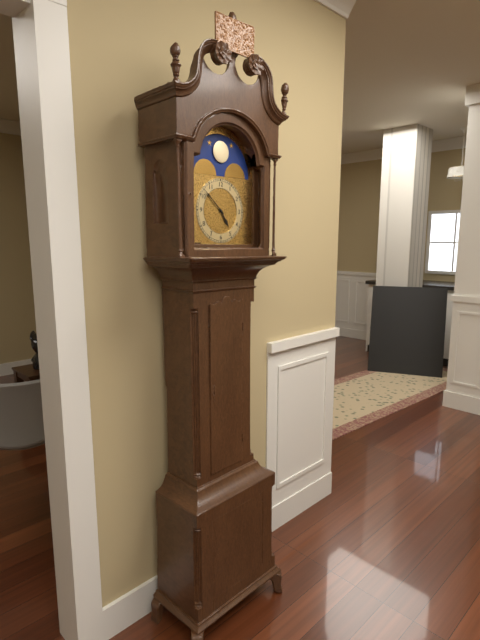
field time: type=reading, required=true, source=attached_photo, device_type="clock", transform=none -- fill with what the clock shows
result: 4:52
